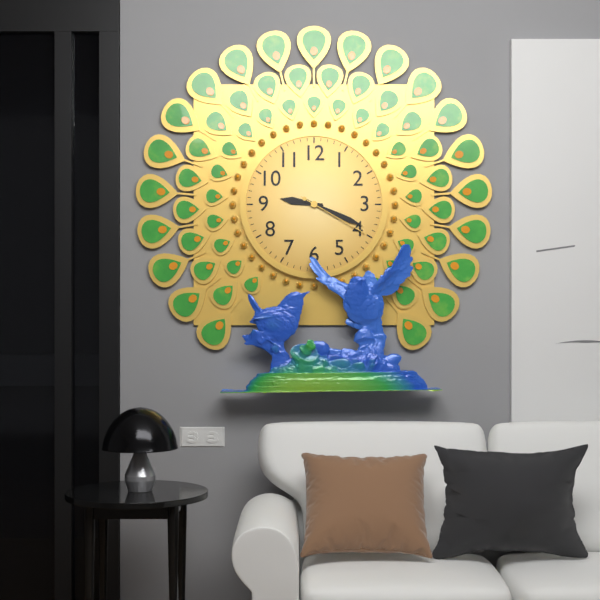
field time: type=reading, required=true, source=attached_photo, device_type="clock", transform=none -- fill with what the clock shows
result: 9:19:20
